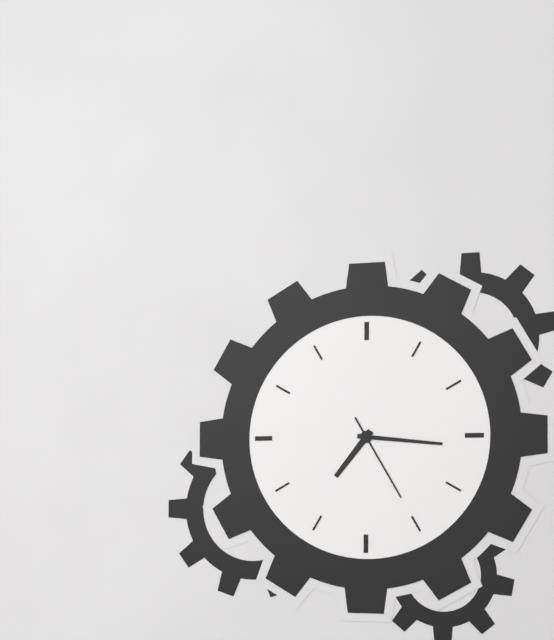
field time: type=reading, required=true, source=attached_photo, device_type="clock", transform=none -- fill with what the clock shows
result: 7:16:25
